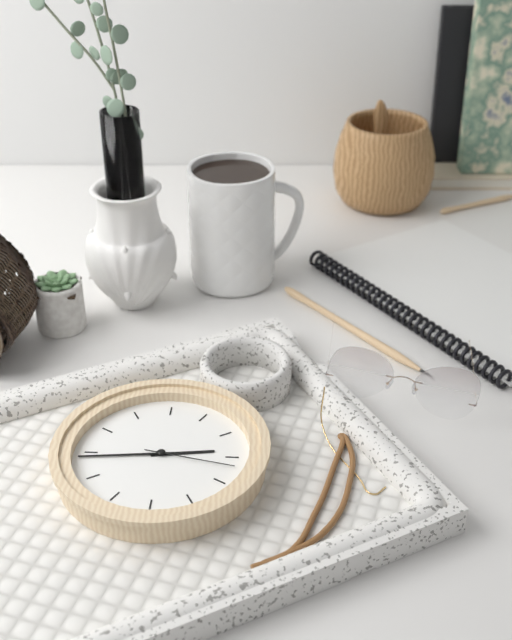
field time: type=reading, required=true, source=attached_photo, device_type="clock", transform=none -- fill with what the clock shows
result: 2:44:17
